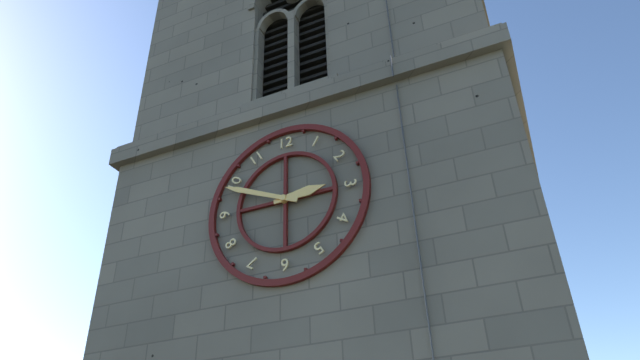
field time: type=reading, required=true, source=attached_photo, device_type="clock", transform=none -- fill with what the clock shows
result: 2:49
